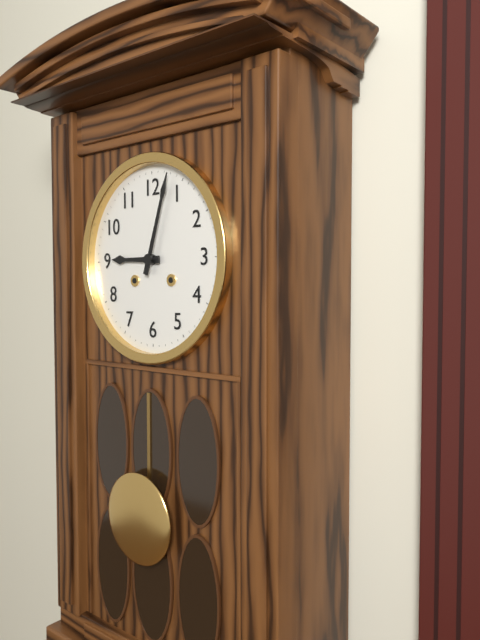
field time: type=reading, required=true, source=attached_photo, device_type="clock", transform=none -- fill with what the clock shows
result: 9:03
